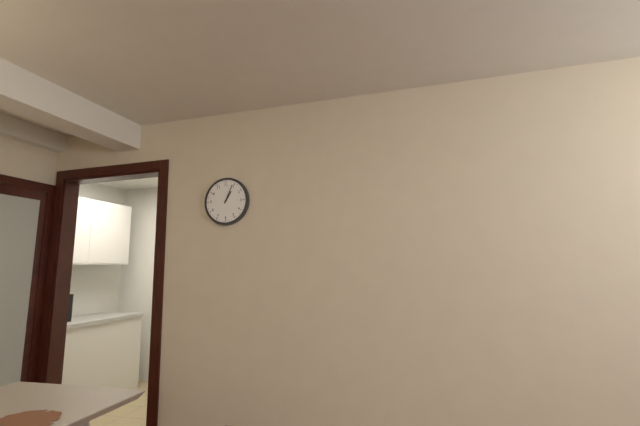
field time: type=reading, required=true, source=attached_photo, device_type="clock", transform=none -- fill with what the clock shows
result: 1:04
